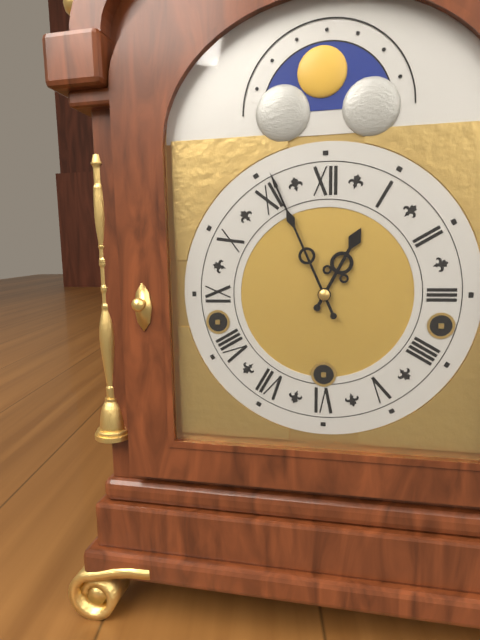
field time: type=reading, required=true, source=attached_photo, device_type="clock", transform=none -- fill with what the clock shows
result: 12:56
